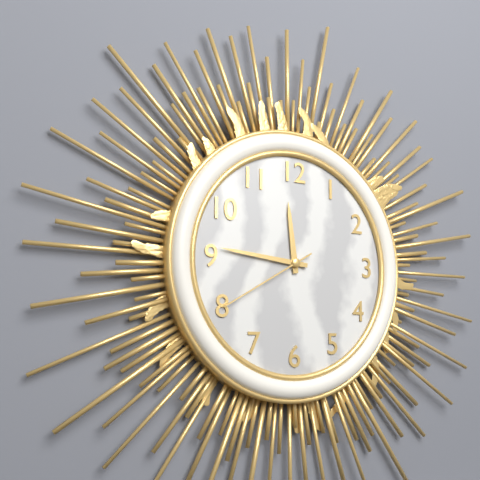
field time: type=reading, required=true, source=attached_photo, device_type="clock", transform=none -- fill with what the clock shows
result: 11:46:40
